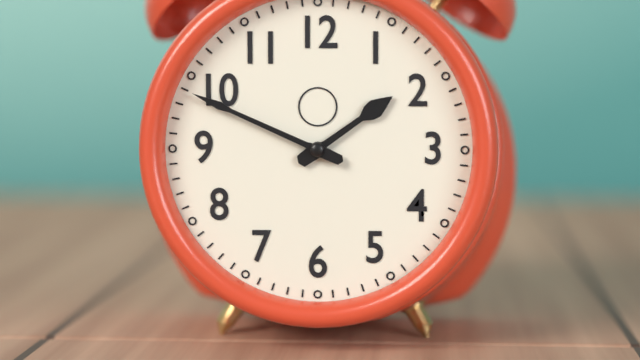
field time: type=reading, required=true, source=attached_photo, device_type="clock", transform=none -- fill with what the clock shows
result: 1:49
